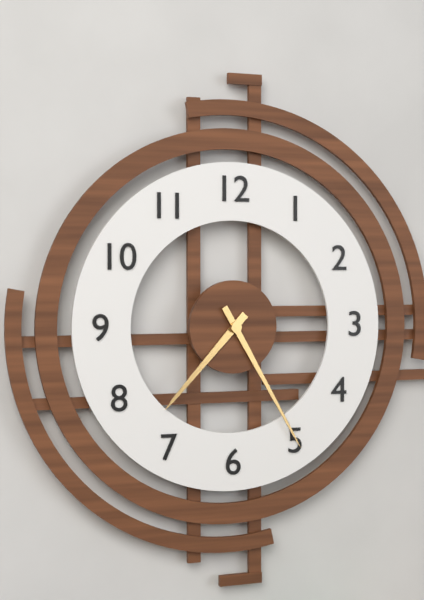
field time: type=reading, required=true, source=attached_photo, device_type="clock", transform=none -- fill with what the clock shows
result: 7:25
